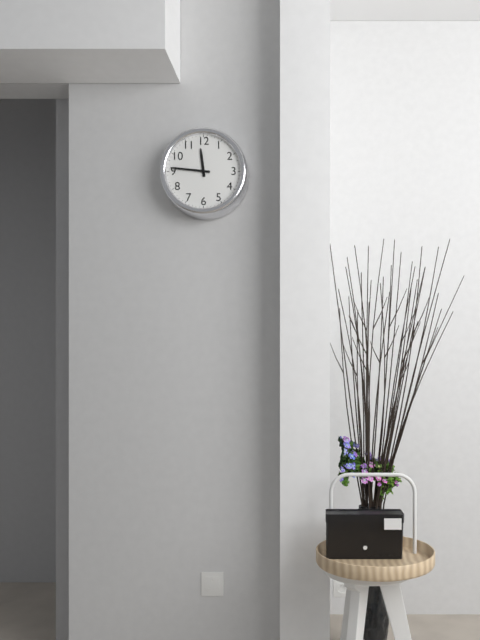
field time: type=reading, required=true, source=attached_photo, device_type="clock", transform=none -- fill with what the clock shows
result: 11:46
